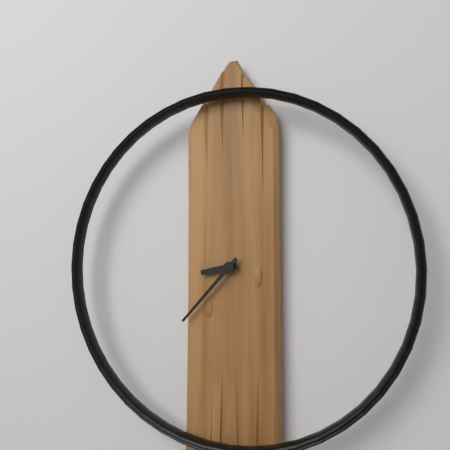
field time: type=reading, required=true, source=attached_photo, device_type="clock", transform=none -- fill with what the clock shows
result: 8:37
